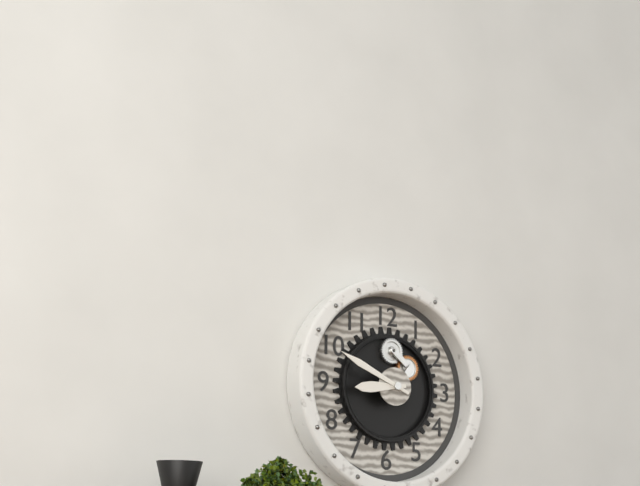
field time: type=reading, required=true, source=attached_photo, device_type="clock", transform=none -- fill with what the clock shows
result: 8:49
